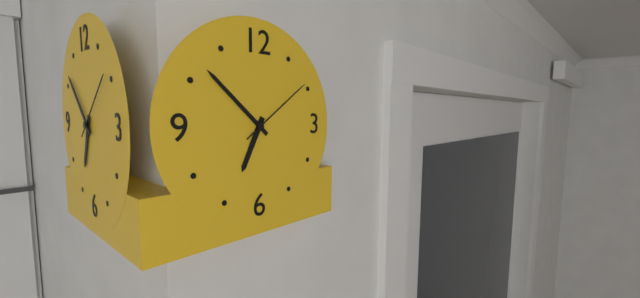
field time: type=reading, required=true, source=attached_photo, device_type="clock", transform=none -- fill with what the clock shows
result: 6:52:09
